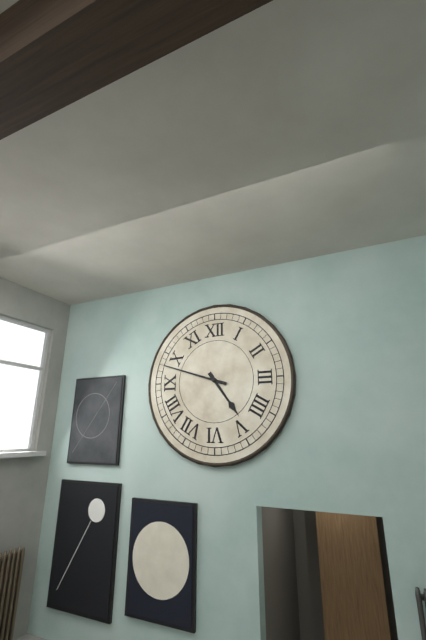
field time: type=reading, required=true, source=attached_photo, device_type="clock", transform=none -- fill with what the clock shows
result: 4:48
